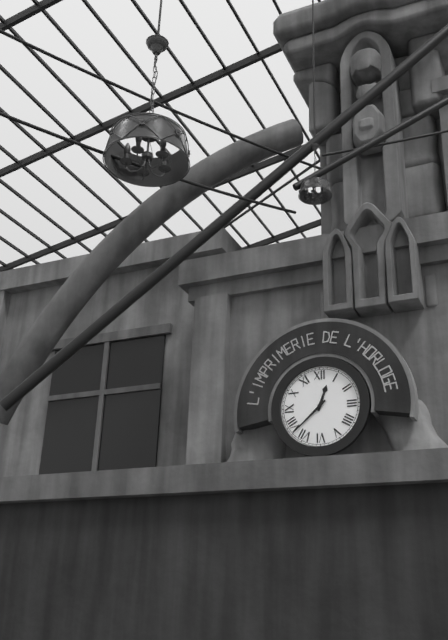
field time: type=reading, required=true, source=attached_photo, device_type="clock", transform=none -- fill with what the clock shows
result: 12:38
